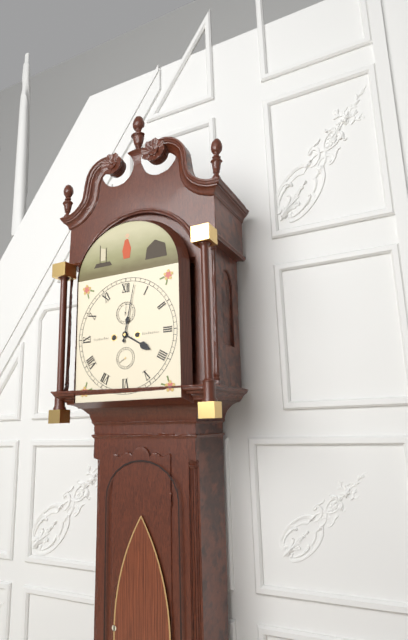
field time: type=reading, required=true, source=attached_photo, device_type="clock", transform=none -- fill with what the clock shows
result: 4:02
